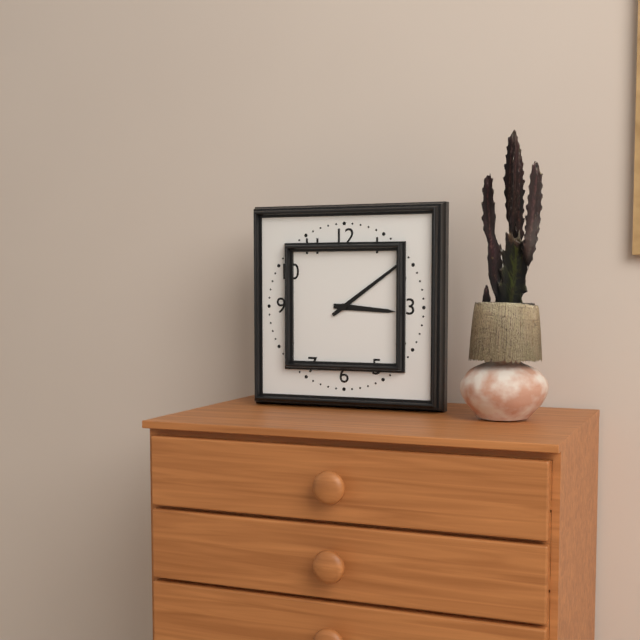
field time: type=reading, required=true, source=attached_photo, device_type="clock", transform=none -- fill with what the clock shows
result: 3:09
